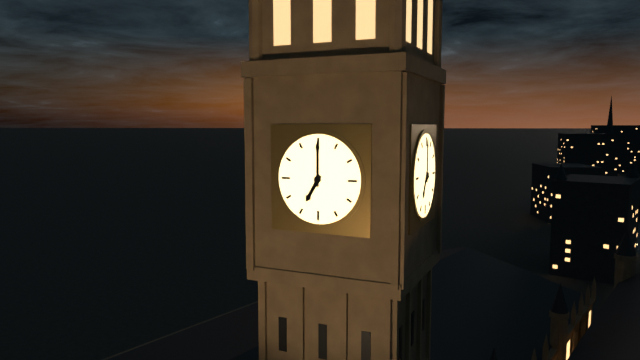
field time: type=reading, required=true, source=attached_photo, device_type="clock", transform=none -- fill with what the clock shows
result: 7:00
